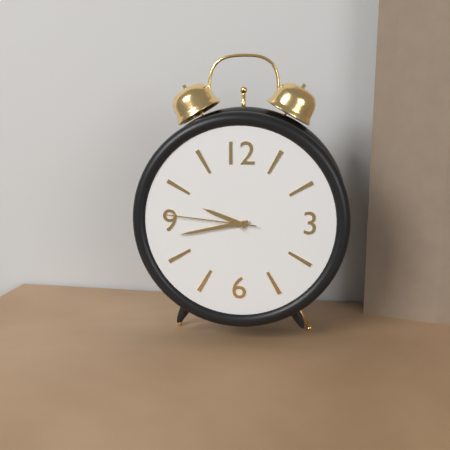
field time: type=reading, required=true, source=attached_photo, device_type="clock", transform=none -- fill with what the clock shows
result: 9:43:46
